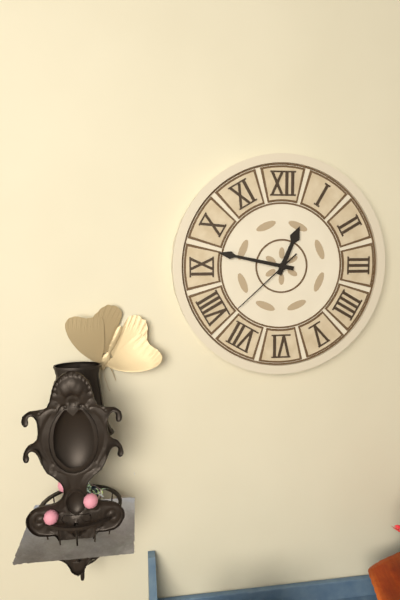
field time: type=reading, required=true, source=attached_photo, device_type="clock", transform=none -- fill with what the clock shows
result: 12:47:38
